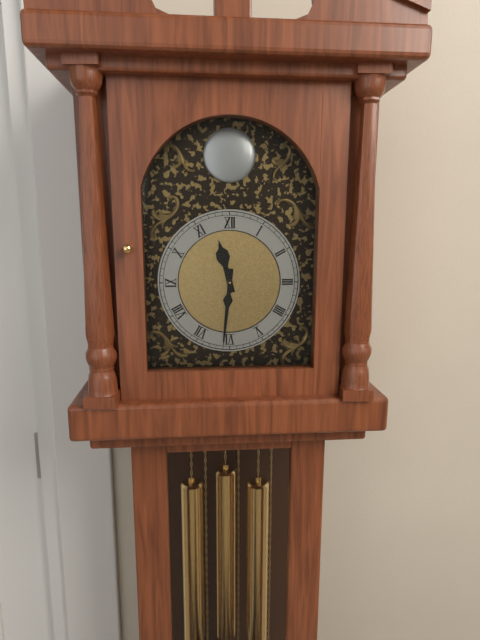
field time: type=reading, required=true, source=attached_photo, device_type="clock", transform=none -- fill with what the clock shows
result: 11:31
